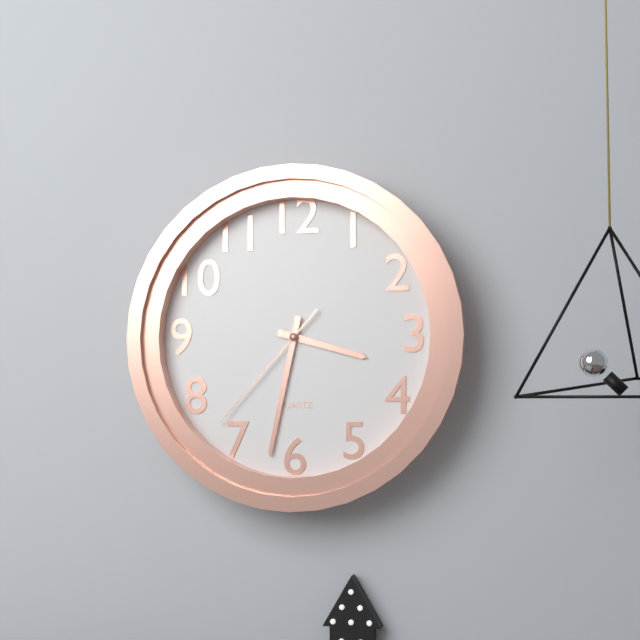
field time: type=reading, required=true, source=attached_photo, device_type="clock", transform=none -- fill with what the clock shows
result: 3:32:37
